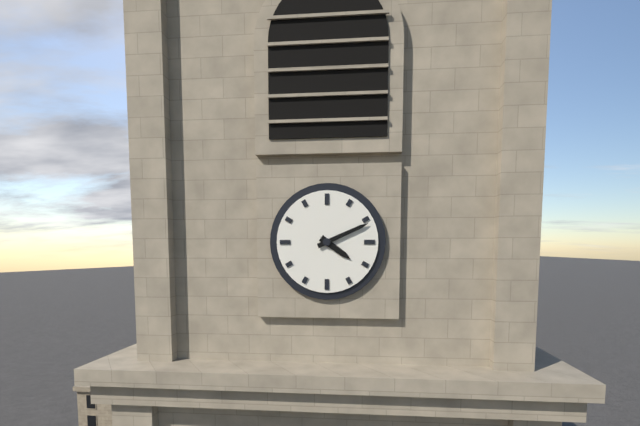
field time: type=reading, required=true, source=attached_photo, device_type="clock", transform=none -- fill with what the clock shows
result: 4:11
